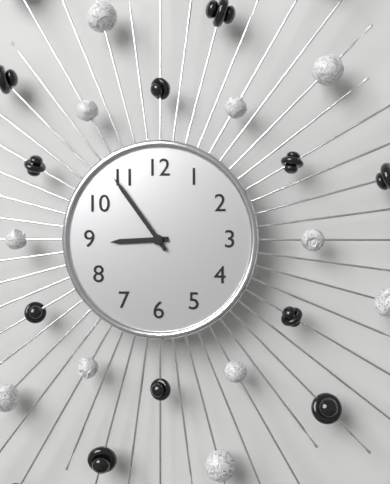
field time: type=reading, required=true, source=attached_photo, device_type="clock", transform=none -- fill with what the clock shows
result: 8:54
